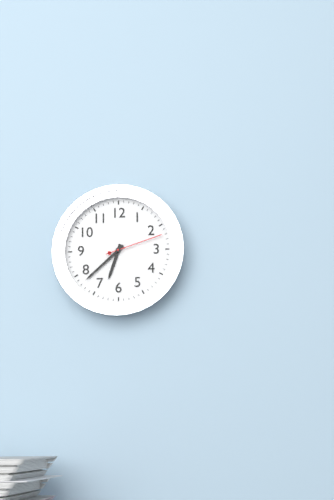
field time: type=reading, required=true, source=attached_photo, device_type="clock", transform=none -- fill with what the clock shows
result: 6:38:12
